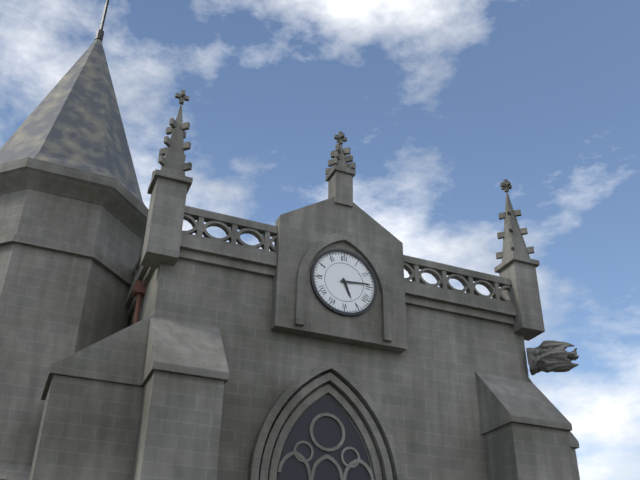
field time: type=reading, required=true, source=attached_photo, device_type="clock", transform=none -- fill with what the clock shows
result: 5:14
